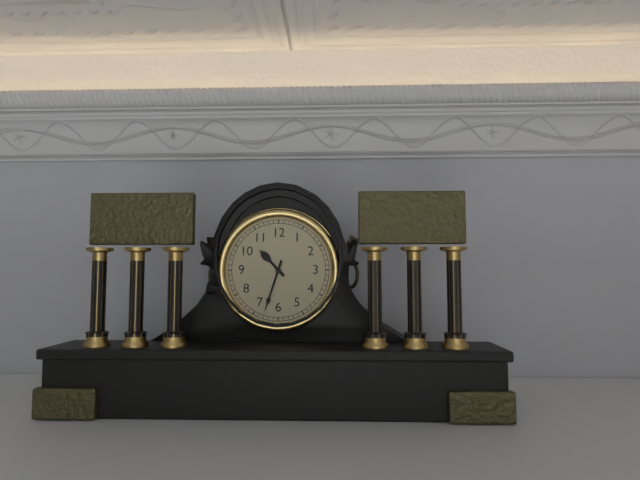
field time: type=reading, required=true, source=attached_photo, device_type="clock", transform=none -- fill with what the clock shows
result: 10:33
